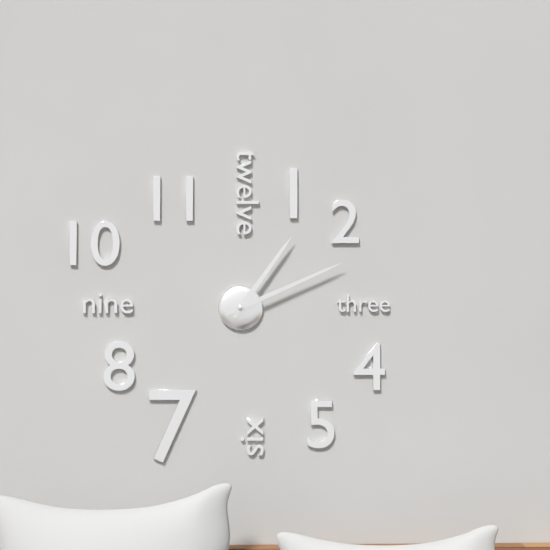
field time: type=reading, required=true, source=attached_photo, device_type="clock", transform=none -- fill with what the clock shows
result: 1:11
